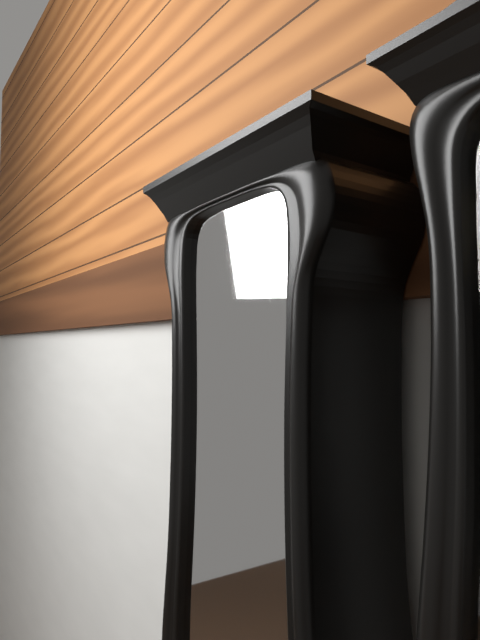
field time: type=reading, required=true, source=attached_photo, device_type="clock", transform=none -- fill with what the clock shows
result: 8:32
